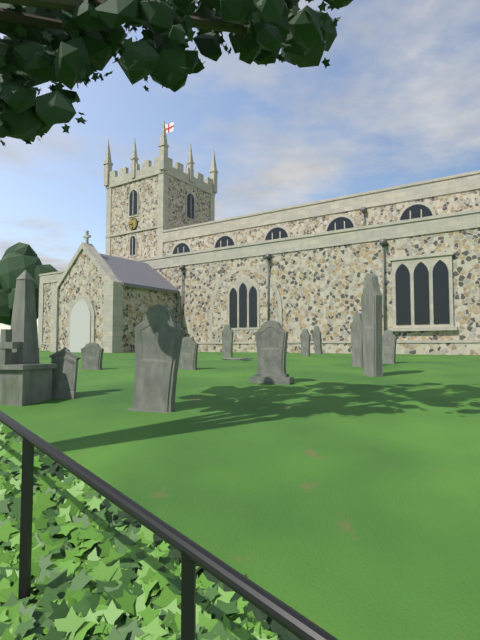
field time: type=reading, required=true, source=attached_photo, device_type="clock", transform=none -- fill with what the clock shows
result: 8:29
